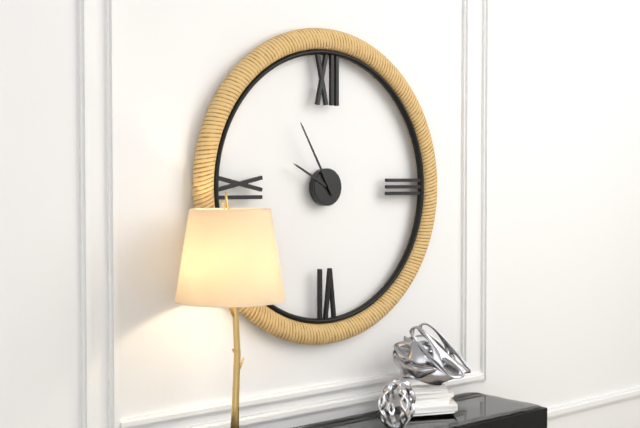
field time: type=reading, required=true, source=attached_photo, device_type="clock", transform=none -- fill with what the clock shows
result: 9:55
